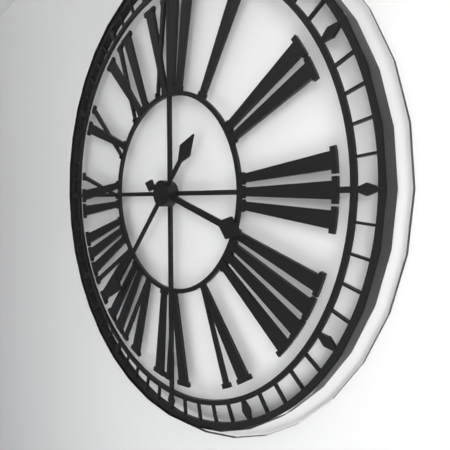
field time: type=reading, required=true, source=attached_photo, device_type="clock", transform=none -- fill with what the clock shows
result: 3:37
